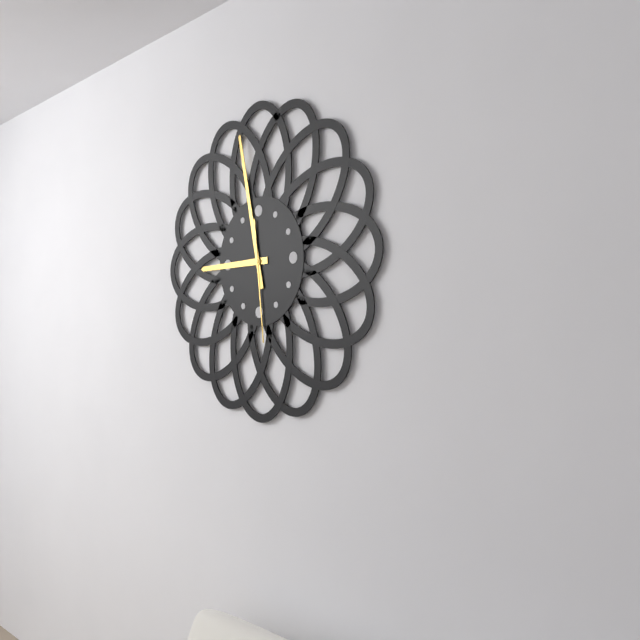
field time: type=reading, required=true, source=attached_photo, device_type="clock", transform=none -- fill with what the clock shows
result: 8:58:29
